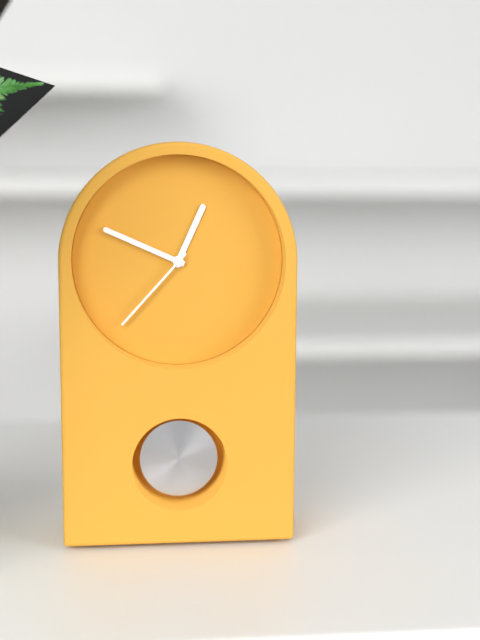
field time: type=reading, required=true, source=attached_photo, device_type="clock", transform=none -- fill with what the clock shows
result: 12:49:37
